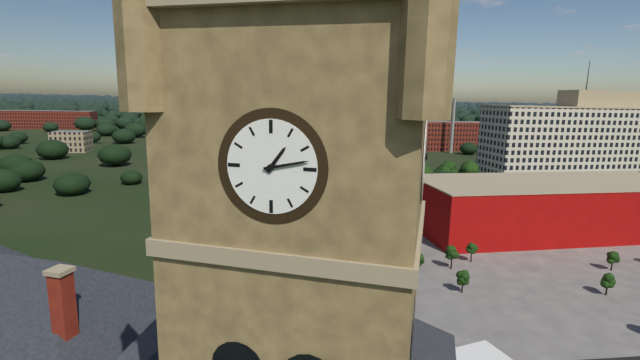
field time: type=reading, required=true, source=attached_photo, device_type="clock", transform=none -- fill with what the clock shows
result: 1:13
